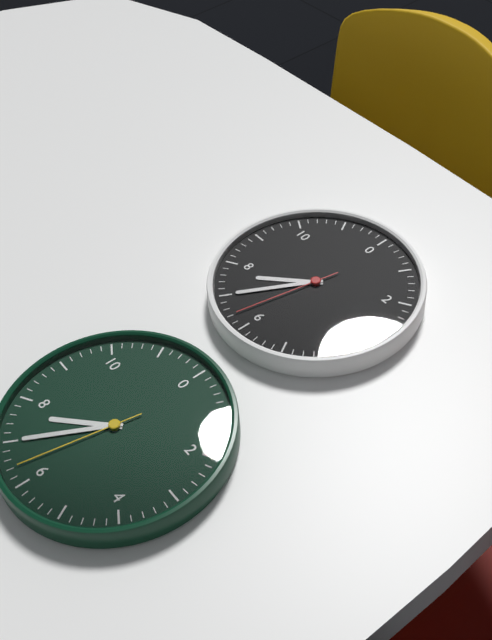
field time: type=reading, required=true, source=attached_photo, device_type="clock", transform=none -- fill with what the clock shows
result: 7:35:32
